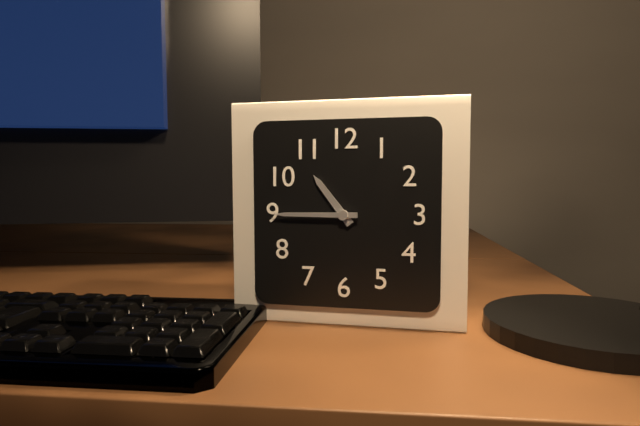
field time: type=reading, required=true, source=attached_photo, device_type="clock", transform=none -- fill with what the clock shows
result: 10:45
